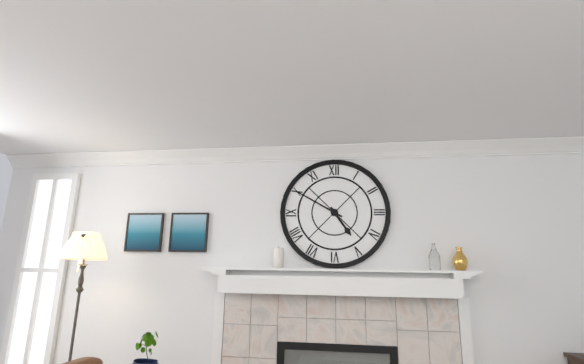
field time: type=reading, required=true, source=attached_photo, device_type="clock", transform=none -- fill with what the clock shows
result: 4:50
